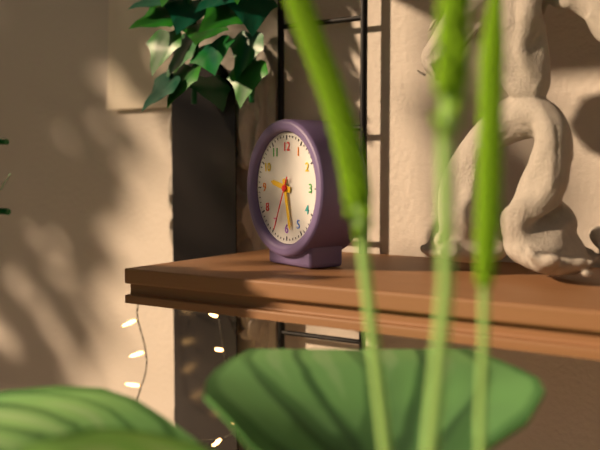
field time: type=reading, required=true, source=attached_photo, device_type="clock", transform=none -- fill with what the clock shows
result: 9:28:34
